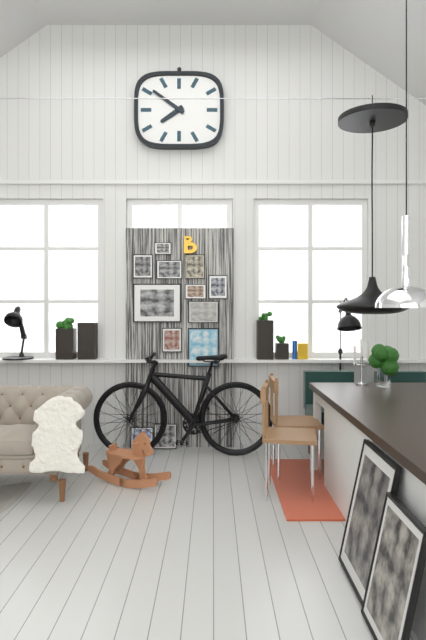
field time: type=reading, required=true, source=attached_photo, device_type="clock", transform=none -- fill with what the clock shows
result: 7:51
